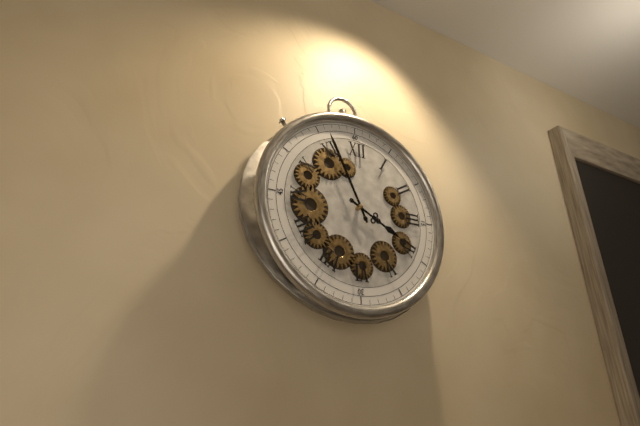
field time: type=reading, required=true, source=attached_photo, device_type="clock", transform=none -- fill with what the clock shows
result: 3:56
